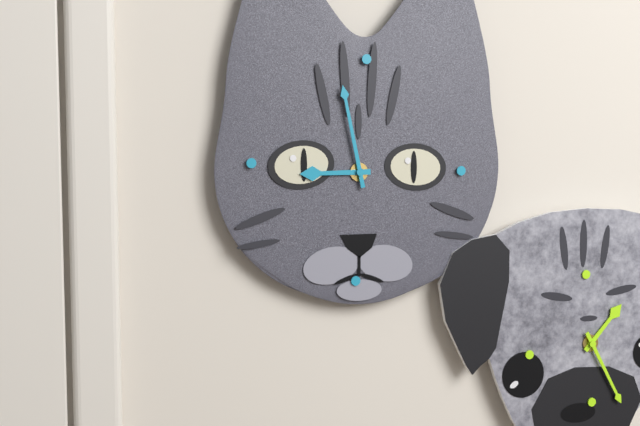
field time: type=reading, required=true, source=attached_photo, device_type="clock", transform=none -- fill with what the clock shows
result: 8:58
